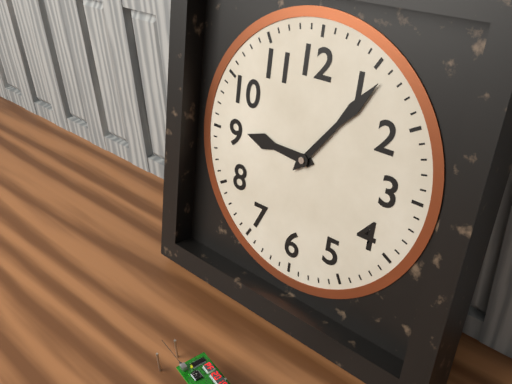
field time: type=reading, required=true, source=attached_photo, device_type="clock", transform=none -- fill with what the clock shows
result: 9:06
